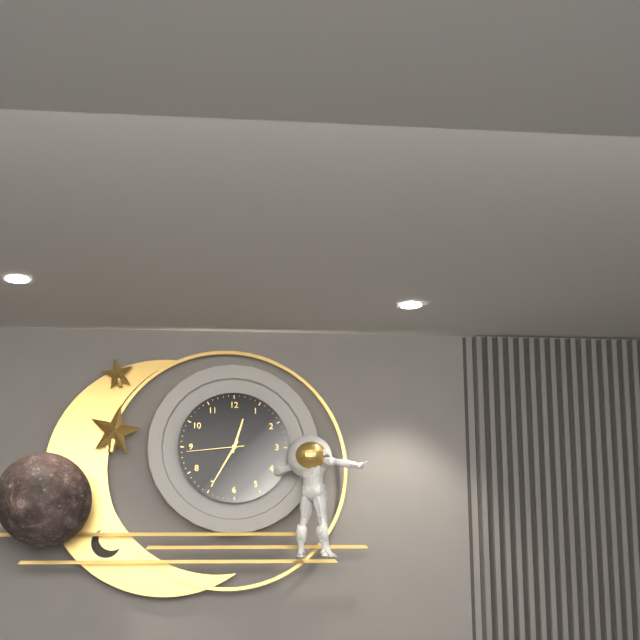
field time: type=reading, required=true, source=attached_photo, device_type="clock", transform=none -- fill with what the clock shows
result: 12:35:44
